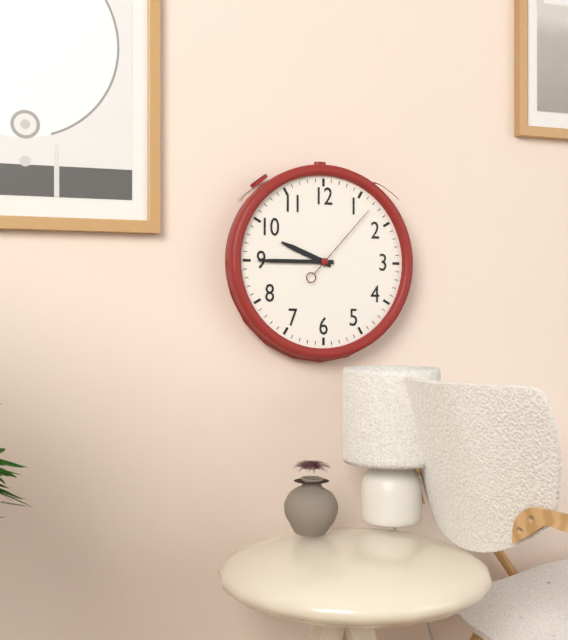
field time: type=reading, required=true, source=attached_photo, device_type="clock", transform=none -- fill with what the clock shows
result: 9:45:07
